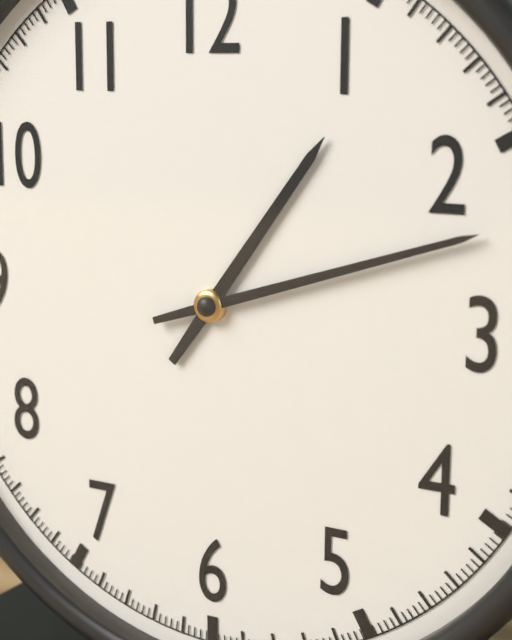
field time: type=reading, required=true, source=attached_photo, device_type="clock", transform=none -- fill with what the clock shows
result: 1:12
